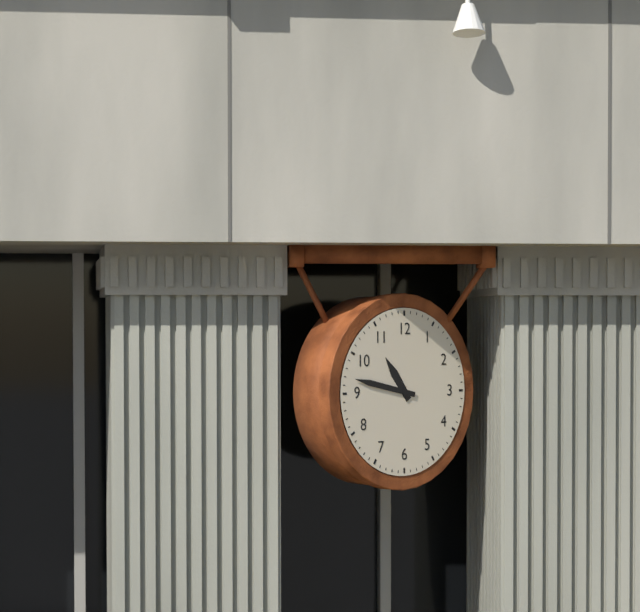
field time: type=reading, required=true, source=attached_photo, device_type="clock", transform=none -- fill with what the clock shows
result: 10:47
